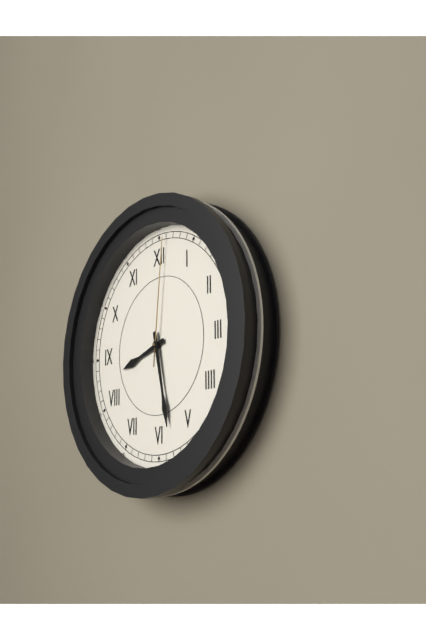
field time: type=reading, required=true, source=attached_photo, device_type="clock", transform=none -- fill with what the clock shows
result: 8:28:01
